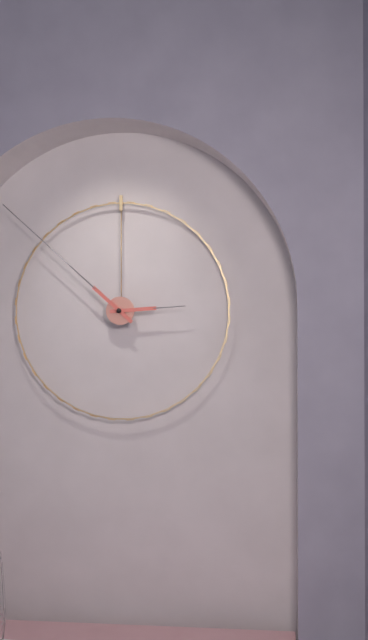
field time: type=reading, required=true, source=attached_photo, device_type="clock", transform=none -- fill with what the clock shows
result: 2:52
